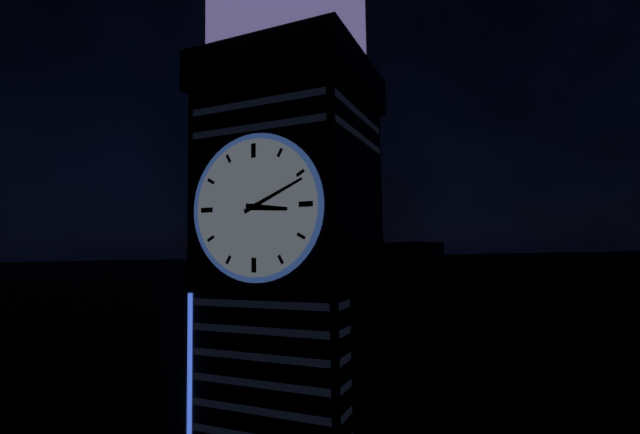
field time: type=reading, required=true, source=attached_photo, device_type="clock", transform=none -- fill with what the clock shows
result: 3:11
